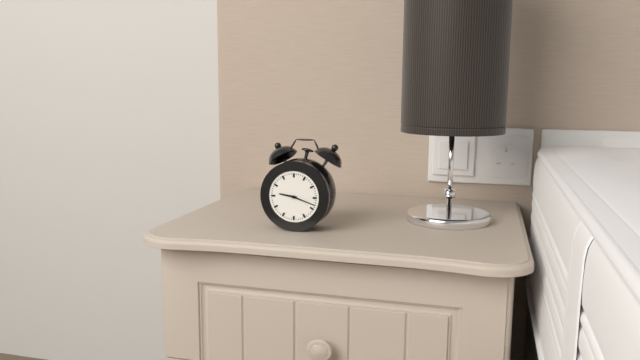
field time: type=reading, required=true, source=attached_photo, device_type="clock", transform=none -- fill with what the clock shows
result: 9:18
